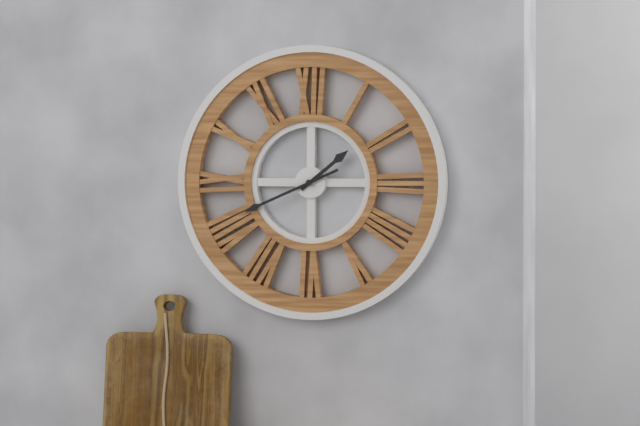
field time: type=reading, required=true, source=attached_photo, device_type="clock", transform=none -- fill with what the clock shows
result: 1:41
